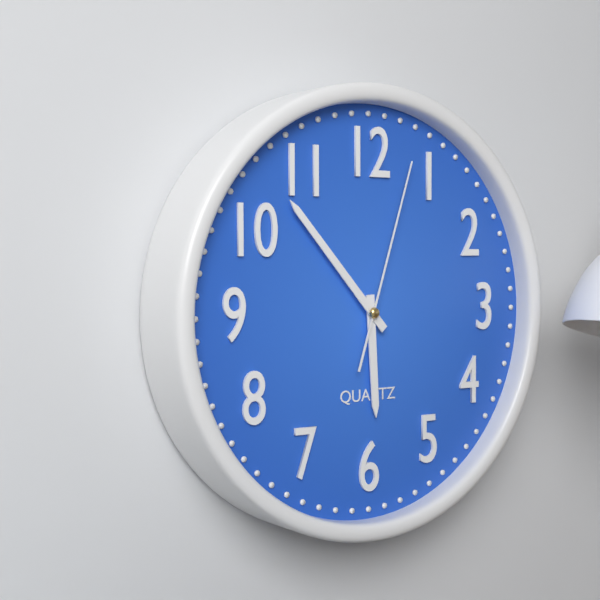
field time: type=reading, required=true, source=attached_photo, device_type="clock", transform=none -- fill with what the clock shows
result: 5:53:03
